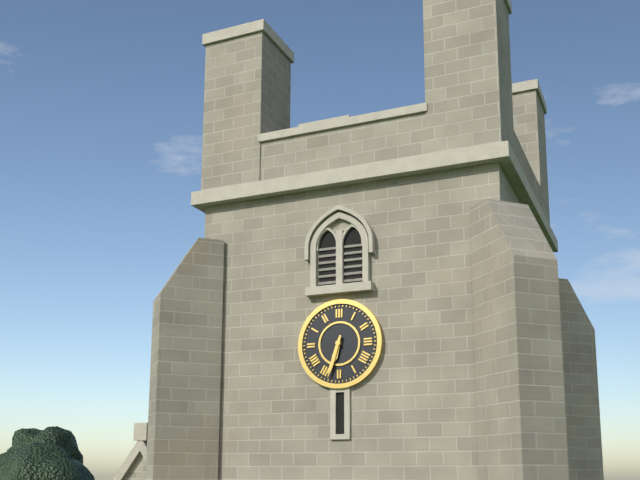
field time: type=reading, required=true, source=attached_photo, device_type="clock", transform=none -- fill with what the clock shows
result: 6:33
